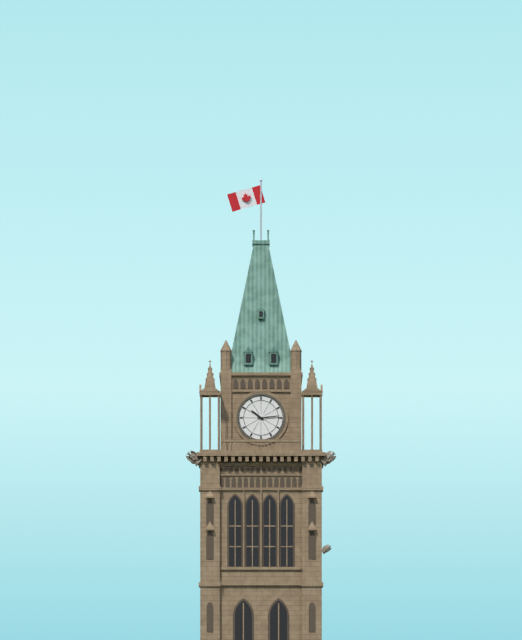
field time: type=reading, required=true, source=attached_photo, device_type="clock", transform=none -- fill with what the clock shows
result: 10:14
